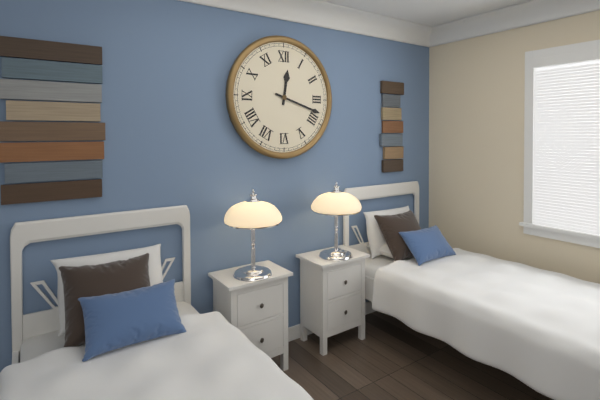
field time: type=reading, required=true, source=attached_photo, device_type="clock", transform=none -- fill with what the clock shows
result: 12:18
